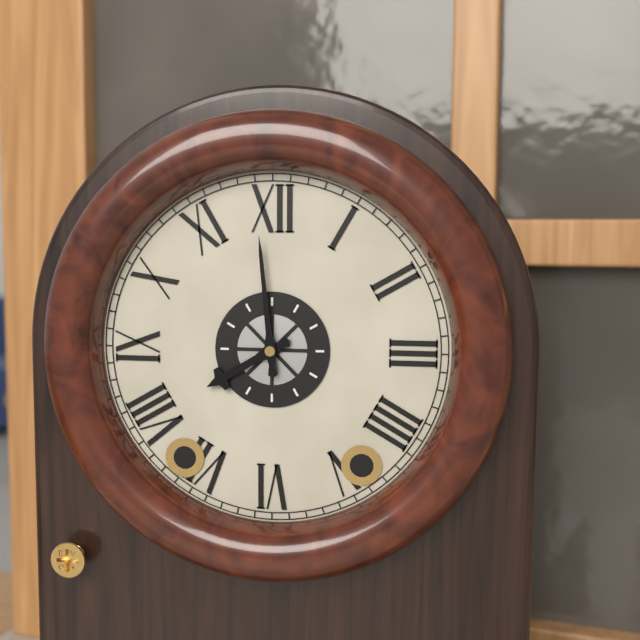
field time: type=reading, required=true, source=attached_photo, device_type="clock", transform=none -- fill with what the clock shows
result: 7:59
